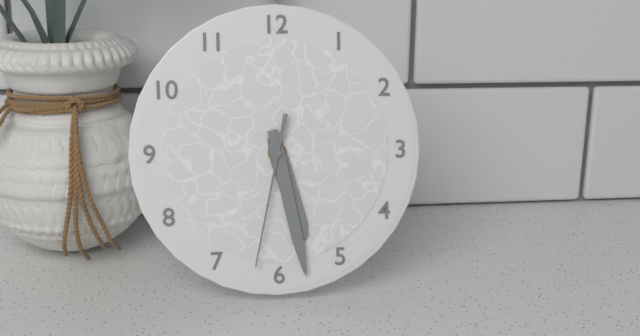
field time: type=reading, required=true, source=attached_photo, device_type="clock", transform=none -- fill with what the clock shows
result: 5:28:32
